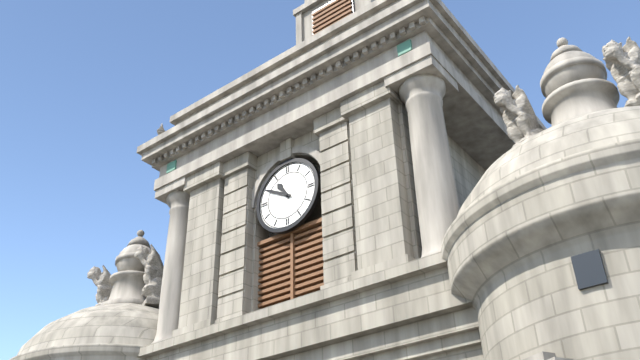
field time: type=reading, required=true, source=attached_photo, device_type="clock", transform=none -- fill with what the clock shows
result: 10:50
